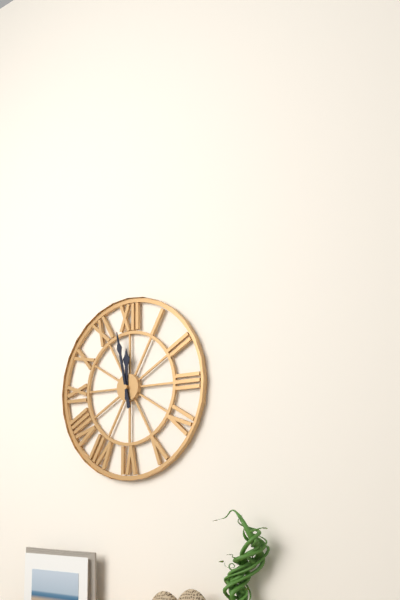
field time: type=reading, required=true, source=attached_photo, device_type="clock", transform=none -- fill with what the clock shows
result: 11:58
